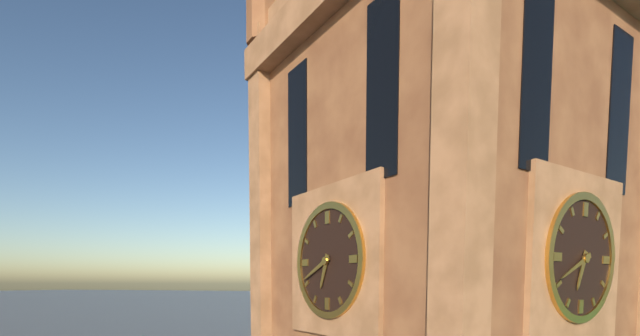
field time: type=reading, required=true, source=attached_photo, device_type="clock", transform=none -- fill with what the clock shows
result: 6:41
